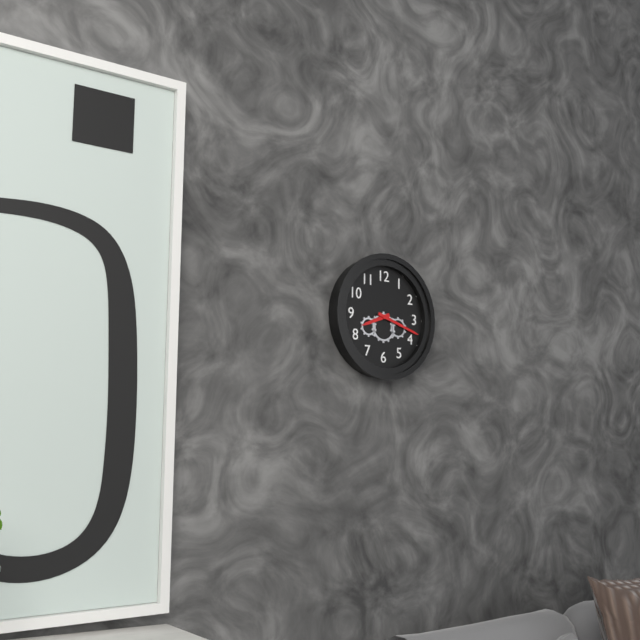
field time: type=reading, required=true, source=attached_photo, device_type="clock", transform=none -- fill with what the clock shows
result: 8:18
